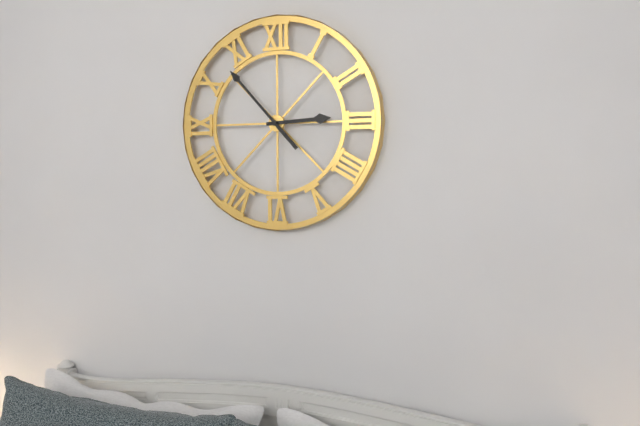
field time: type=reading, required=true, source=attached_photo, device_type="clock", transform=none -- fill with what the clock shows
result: 2:53
